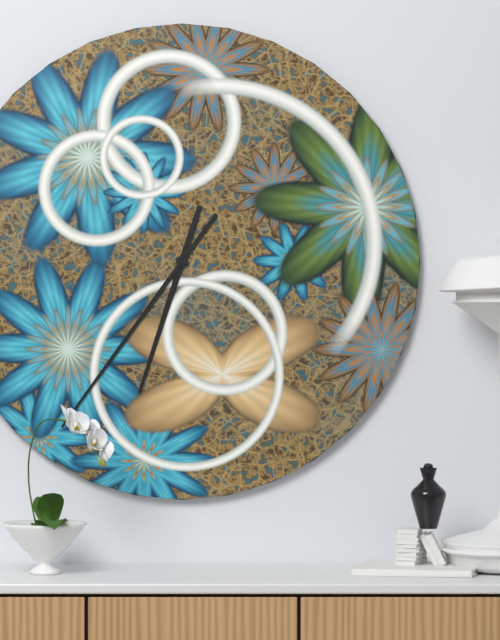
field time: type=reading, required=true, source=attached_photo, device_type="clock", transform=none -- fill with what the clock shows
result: 6:36
